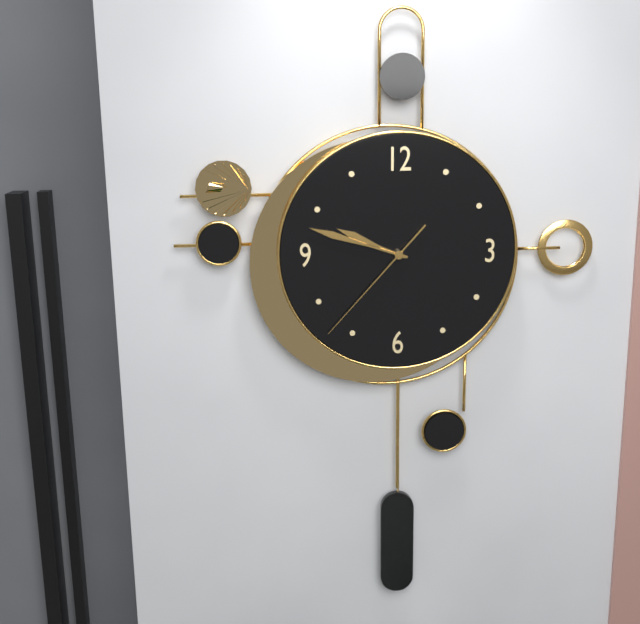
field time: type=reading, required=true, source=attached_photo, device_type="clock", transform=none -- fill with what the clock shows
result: 9:48:37
